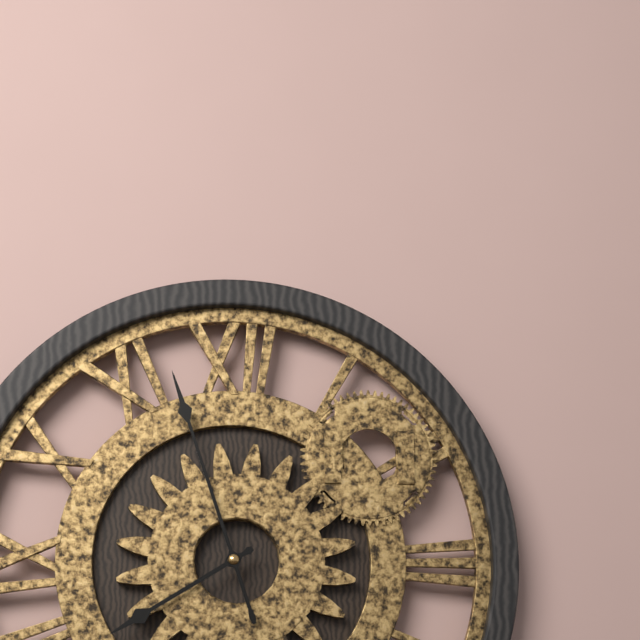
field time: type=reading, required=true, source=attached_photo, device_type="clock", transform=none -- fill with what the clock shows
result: 7:57
